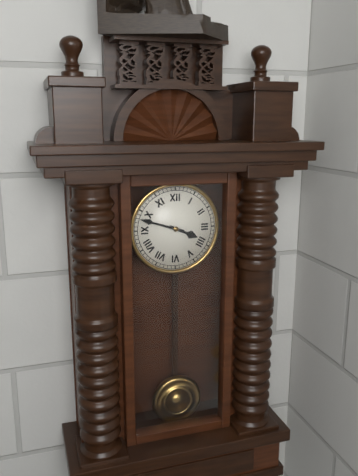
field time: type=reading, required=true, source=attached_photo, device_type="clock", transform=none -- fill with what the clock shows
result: 3:48
